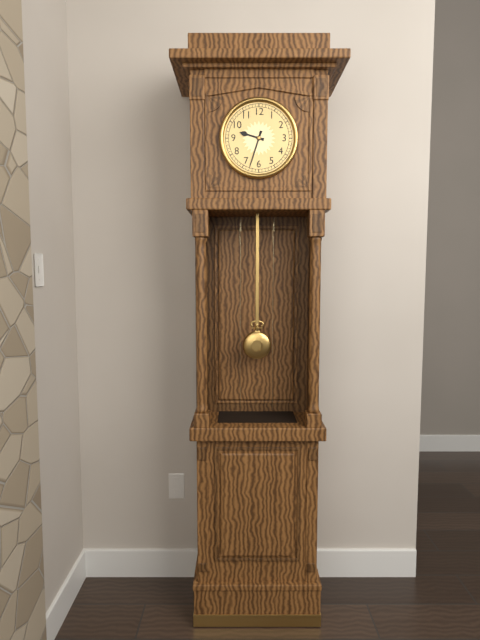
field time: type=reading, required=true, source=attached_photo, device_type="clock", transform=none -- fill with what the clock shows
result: 9:33
